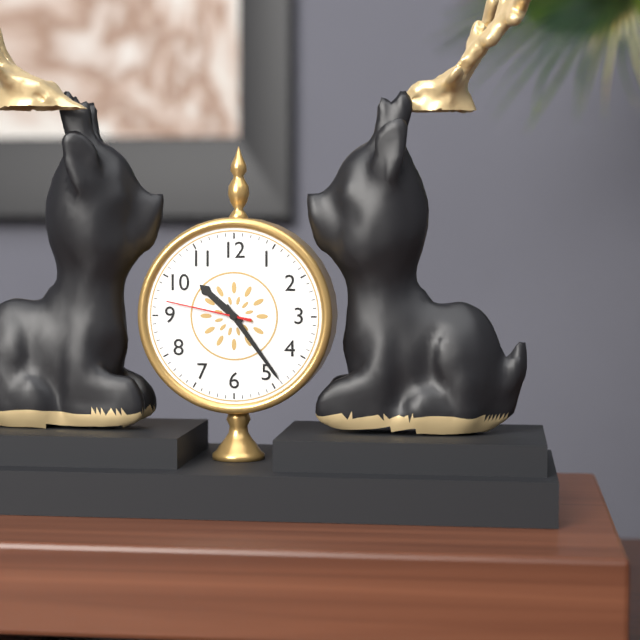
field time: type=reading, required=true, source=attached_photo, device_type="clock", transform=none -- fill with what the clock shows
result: 10:24:47
